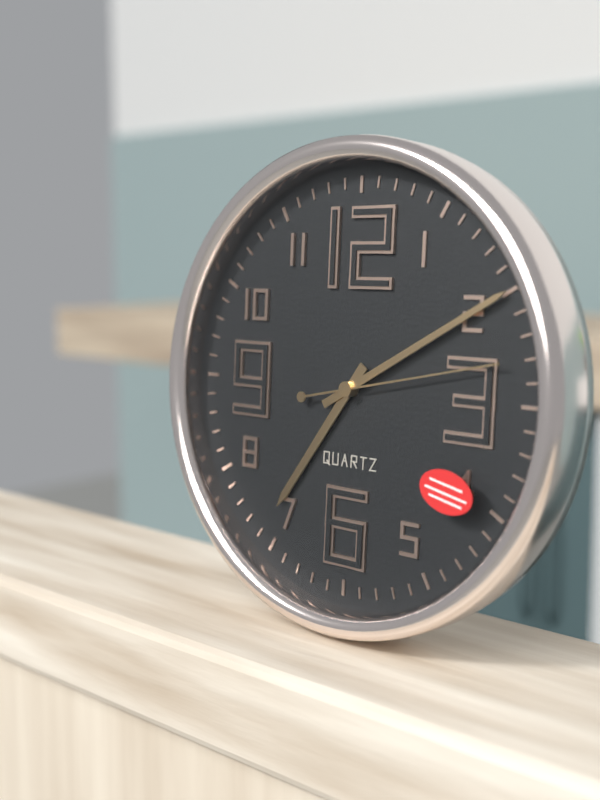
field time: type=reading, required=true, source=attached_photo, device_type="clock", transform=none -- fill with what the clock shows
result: 7:10:13
